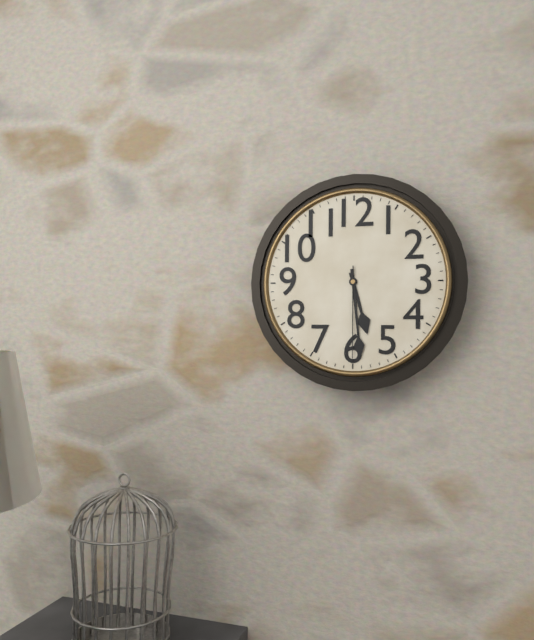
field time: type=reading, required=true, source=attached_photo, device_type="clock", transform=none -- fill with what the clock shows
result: 5:29:30
